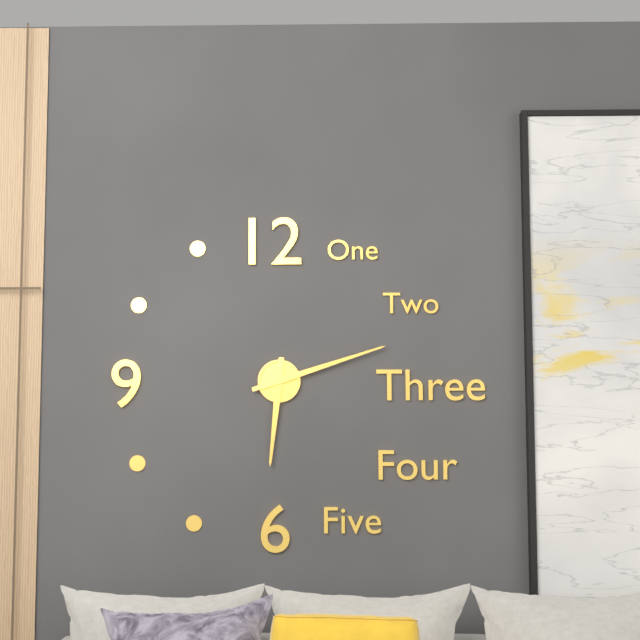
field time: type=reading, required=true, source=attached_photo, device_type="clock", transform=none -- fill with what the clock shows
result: 6:12
